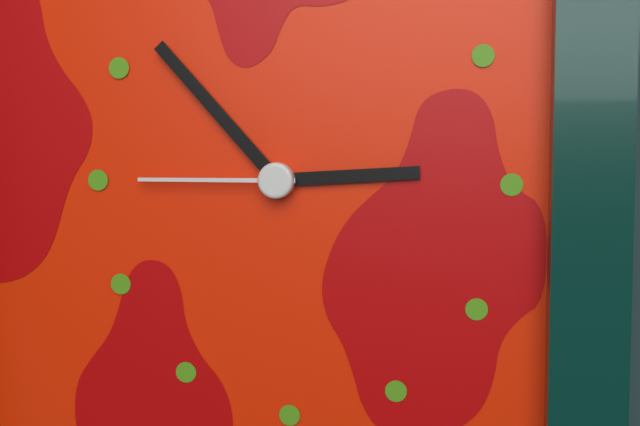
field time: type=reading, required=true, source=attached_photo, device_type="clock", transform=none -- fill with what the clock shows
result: 2:53:45
